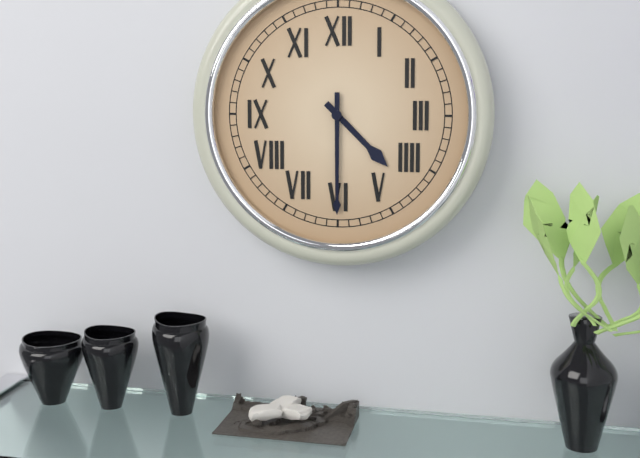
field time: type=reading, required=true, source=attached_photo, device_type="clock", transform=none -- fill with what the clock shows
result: 4:30
